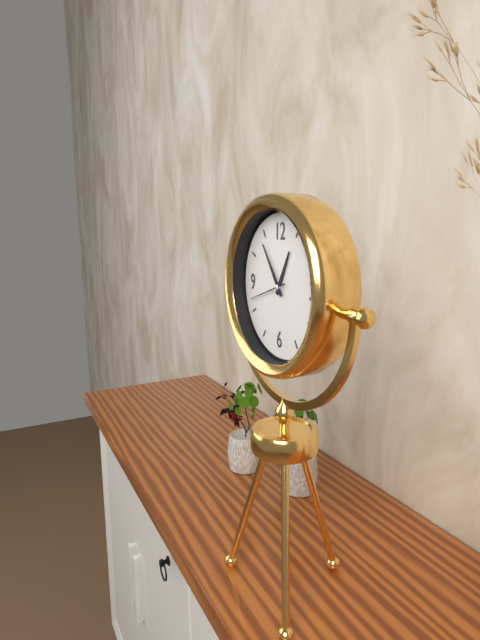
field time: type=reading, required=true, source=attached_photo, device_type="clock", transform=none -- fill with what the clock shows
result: 12:54
